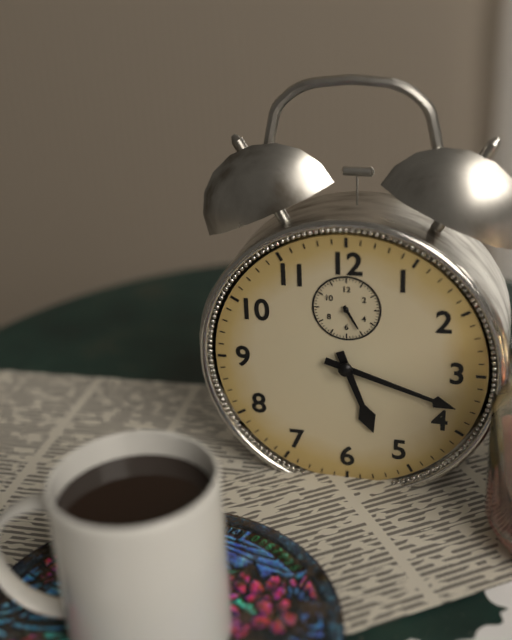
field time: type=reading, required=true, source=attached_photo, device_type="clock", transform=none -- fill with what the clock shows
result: 5:18
